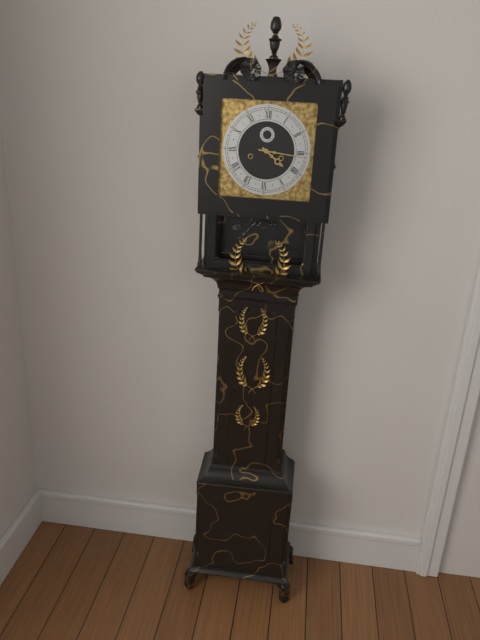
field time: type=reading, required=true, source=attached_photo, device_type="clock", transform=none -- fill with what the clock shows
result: 4:16
